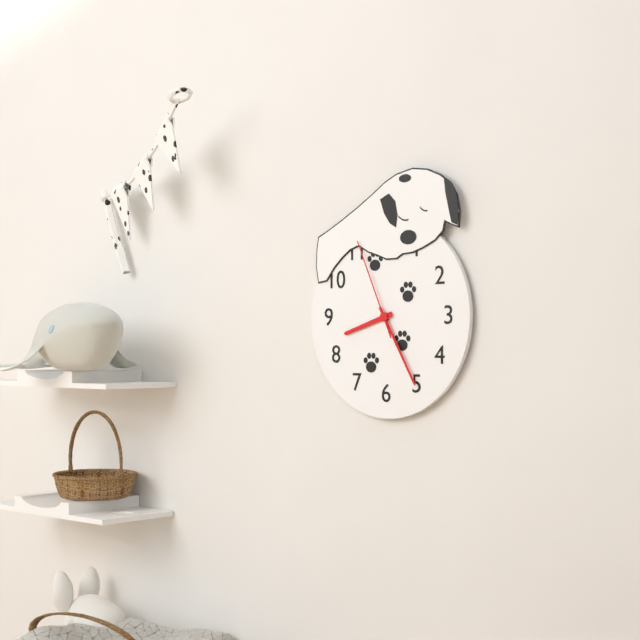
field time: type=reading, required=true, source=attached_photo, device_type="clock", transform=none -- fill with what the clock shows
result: 8:25:56
